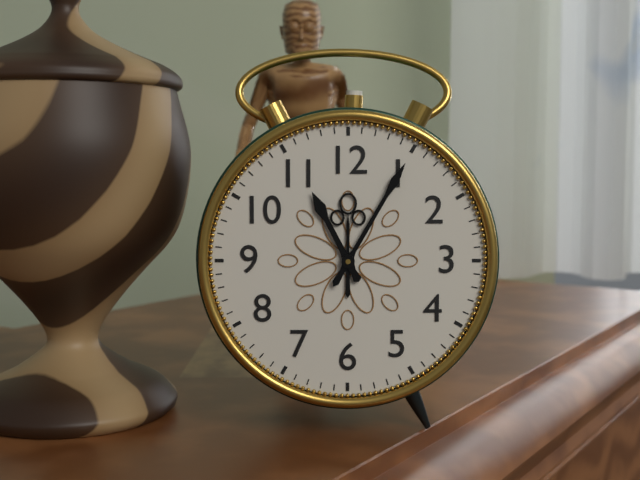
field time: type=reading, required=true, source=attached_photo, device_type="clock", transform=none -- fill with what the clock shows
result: 11:05
